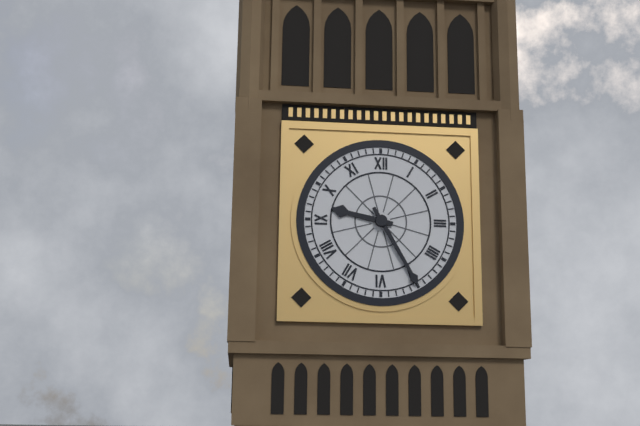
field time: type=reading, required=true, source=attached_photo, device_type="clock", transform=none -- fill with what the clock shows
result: 9:25
